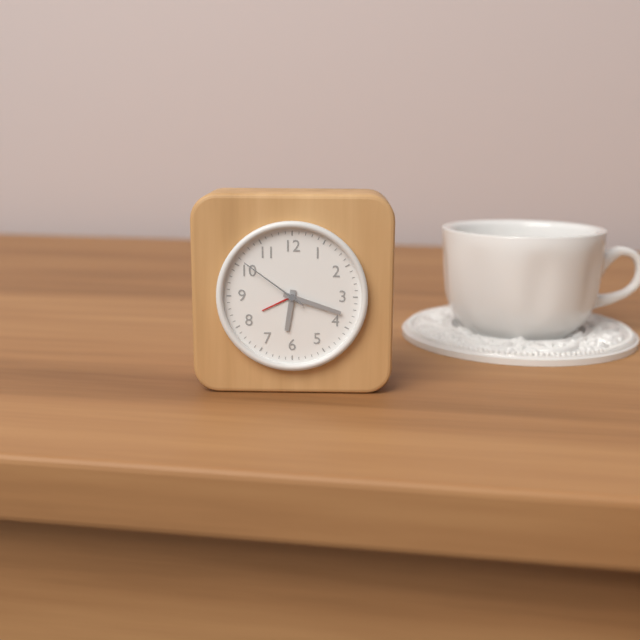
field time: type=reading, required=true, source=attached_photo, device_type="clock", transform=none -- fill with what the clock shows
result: 6:18:51
